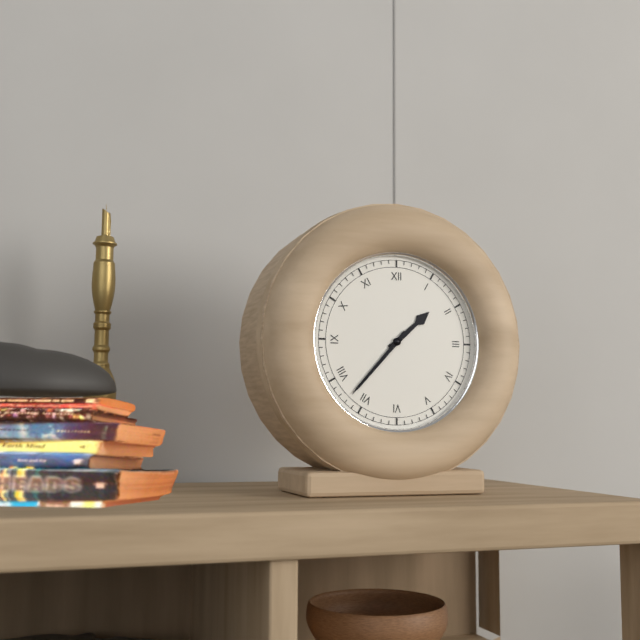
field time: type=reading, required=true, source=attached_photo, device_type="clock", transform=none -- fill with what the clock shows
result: 1:37
